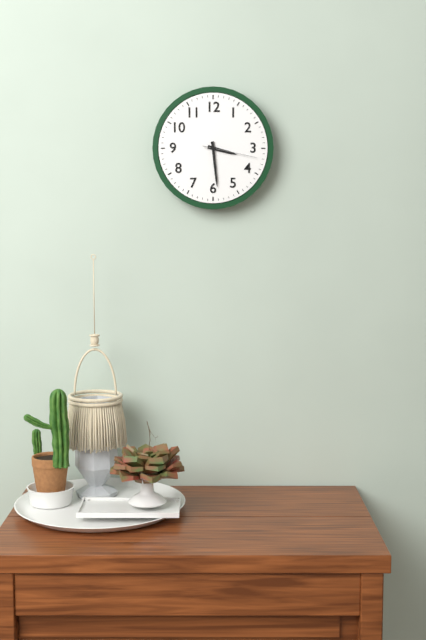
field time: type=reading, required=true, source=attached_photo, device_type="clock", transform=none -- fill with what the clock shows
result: 3:29:17
